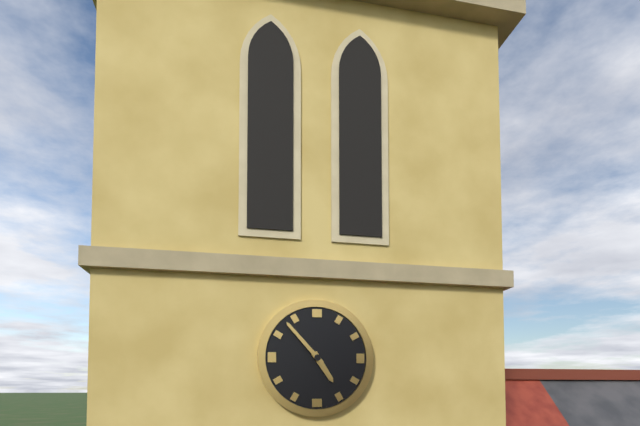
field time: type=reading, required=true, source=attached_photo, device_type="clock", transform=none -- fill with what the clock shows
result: 4:53
